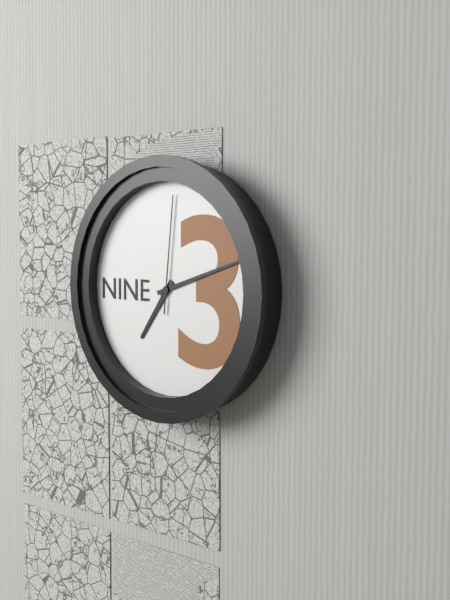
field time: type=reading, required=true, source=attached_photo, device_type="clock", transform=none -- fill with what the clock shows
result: 7:12:01
